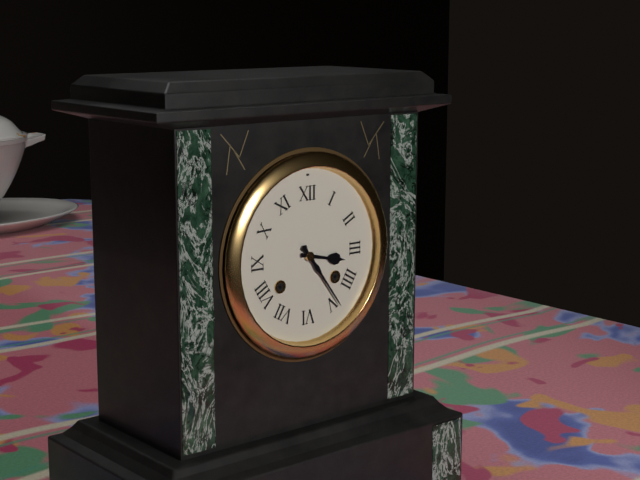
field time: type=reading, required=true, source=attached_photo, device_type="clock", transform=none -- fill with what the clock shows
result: 3:24
